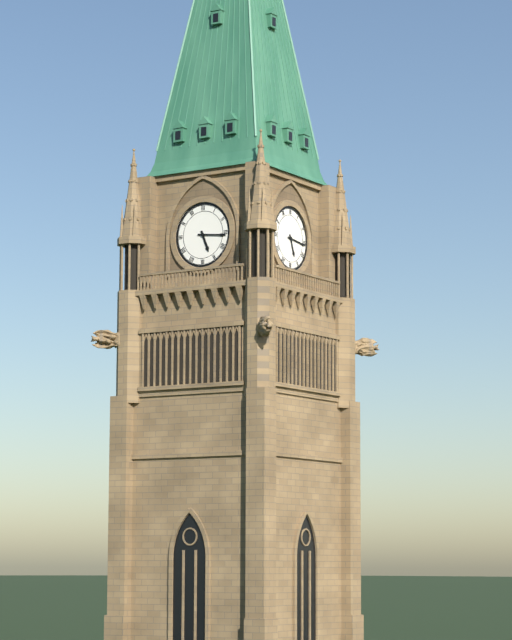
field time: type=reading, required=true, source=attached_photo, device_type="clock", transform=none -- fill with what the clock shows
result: 5:16
